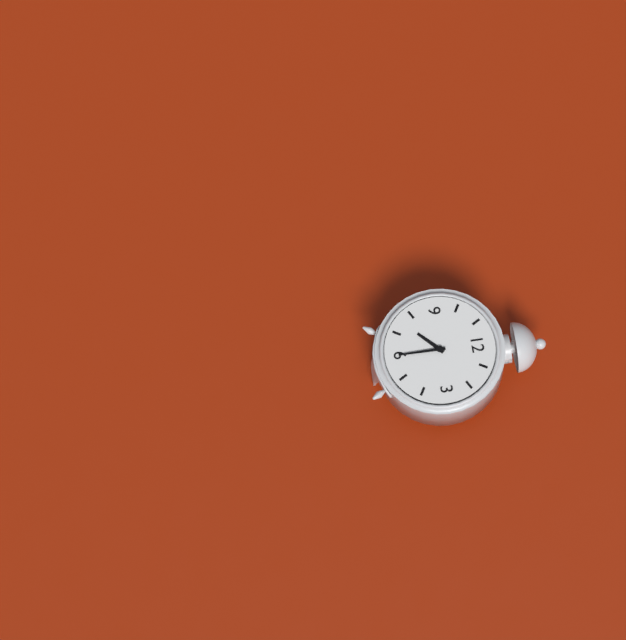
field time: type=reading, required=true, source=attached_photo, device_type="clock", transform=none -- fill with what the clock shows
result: 7:30
